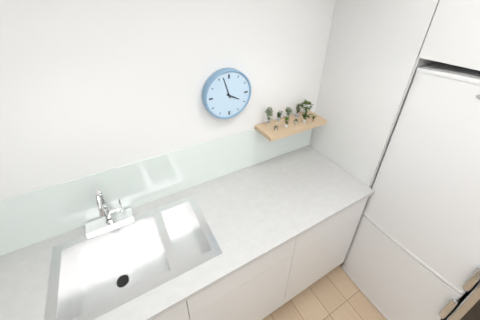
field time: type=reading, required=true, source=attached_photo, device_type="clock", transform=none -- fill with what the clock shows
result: 3:57
